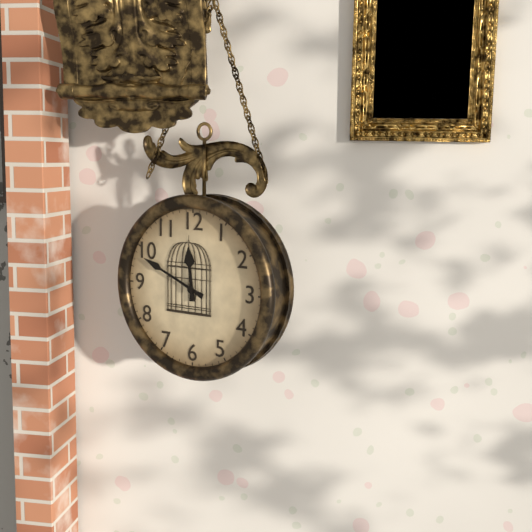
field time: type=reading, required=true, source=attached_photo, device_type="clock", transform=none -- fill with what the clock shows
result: 11:49
